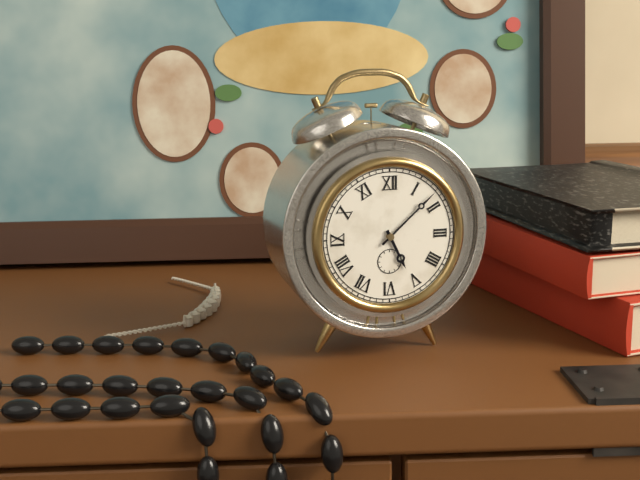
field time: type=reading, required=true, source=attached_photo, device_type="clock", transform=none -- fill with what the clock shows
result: 5:08
